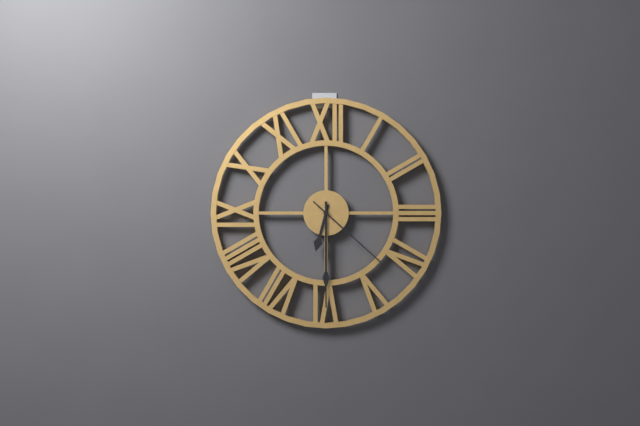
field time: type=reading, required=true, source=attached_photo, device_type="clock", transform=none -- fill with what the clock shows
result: 6:30:22
